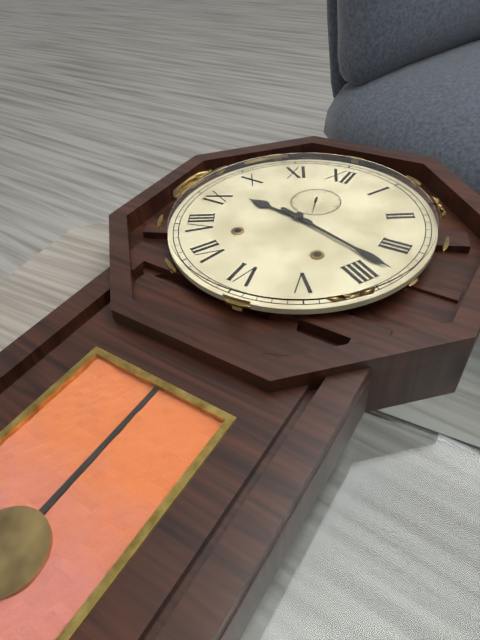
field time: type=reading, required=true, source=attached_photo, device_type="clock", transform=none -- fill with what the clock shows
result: 9:18:27
